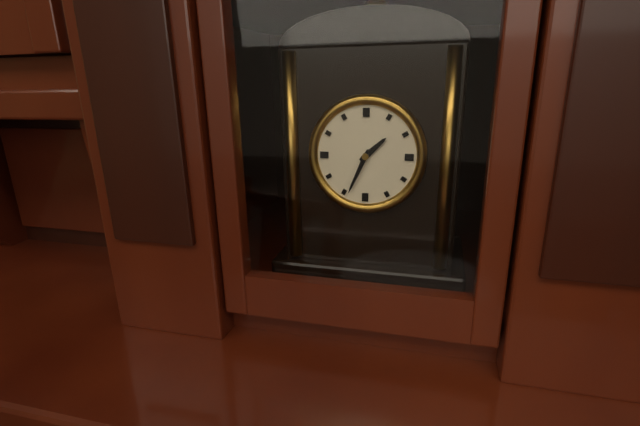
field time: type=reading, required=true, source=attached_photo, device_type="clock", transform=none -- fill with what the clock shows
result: 1:34
